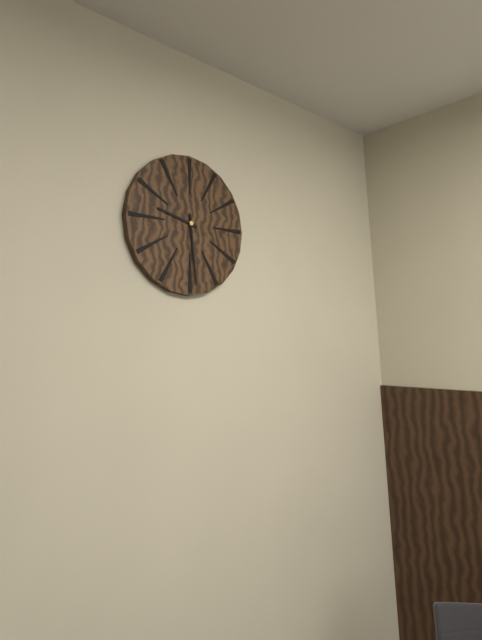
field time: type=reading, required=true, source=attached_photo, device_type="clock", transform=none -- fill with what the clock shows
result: 9:29
